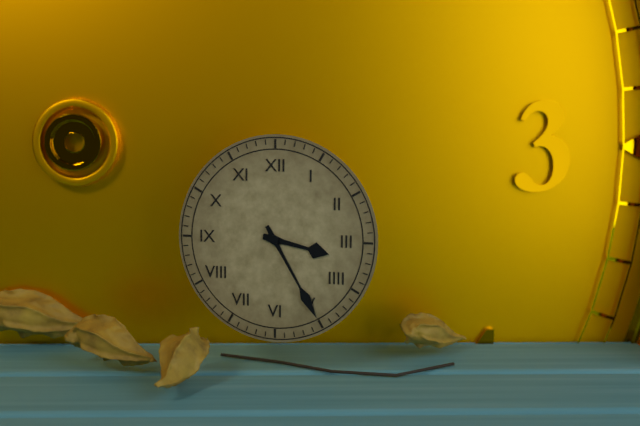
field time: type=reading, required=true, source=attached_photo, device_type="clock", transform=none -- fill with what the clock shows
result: 3:25
